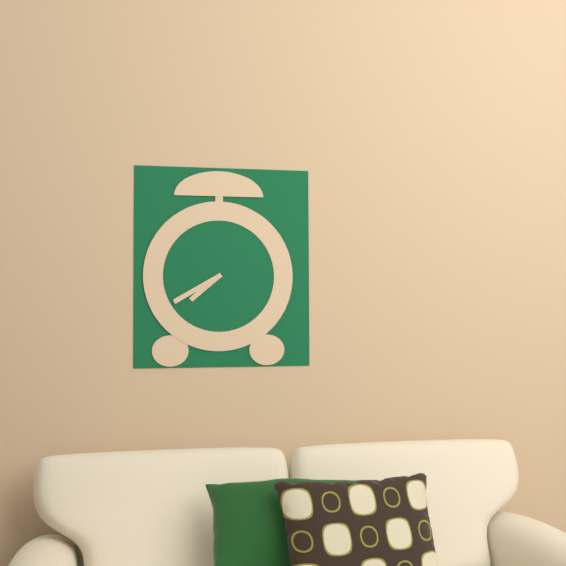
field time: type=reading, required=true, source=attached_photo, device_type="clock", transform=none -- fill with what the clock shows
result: 7:40
